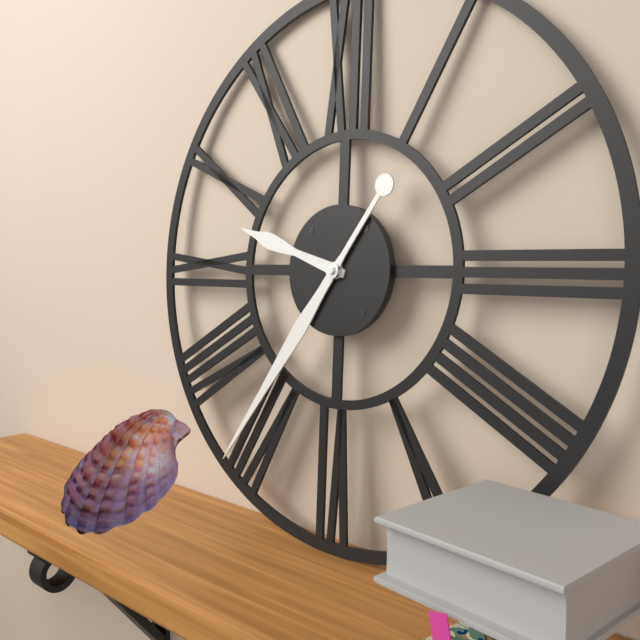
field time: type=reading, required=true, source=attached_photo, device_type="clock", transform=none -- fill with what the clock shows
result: 9:36
